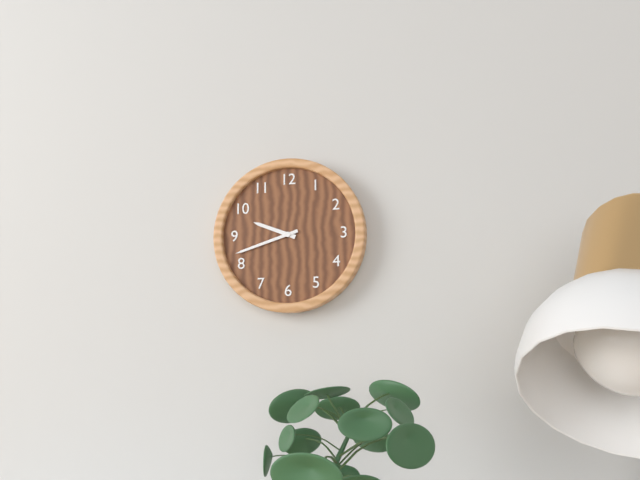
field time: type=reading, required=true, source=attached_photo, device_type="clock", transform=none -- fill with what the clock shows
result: 9:42
